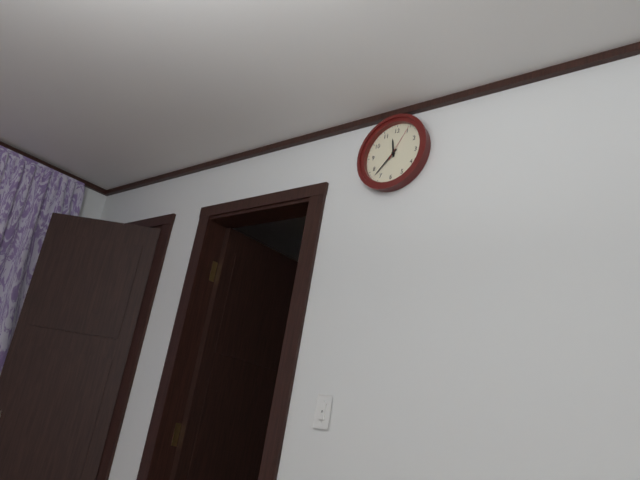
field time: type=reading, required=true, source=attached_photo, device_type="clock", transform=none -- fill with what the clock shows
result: 11:37
